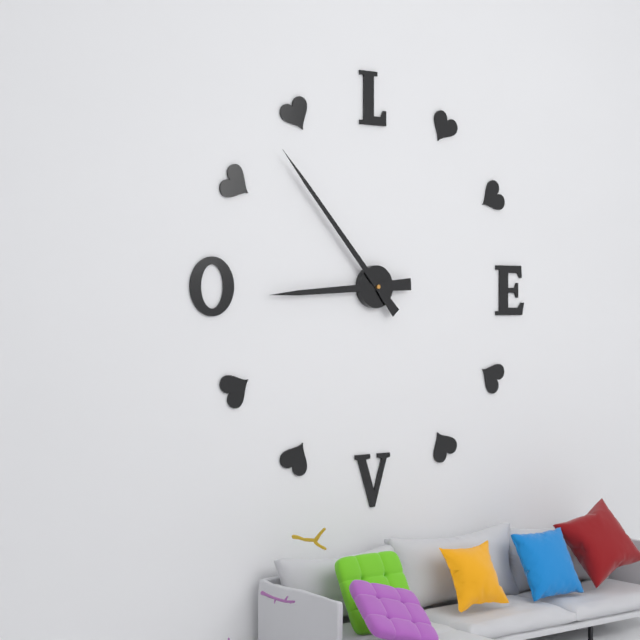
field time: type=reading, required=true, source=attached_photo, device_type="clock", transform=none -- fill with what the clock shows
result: 8:53
